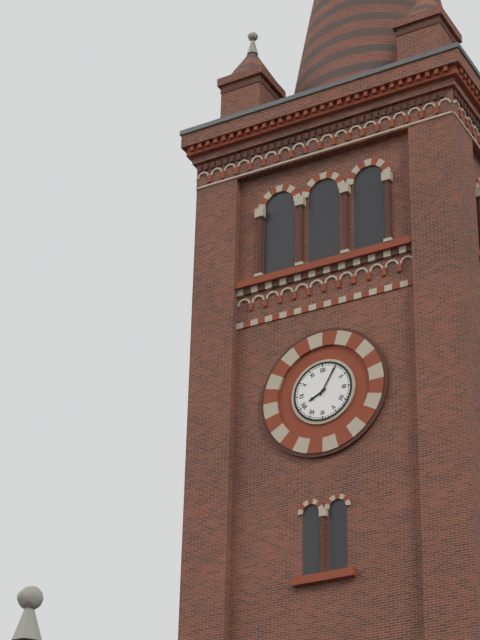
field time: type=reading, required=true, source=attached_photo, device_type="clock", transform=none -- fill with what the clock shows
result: 8:05
